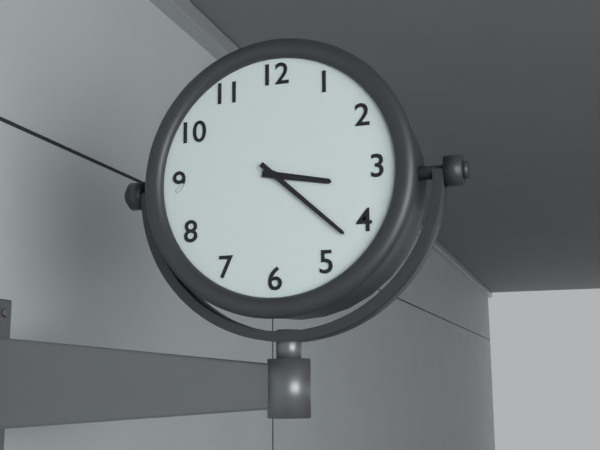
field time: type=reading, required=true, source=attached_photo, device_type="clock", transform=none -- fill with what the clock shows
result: 3:22
